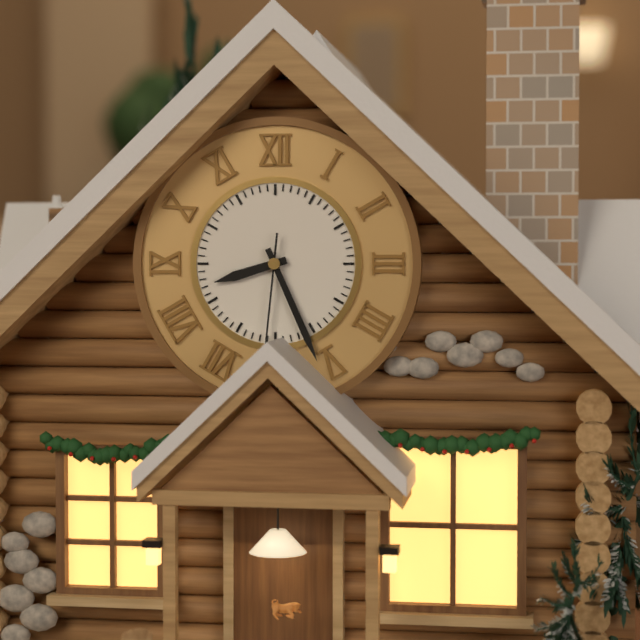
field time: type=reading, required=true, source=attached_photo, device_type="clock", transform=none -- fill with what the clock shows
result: 8:26:31
